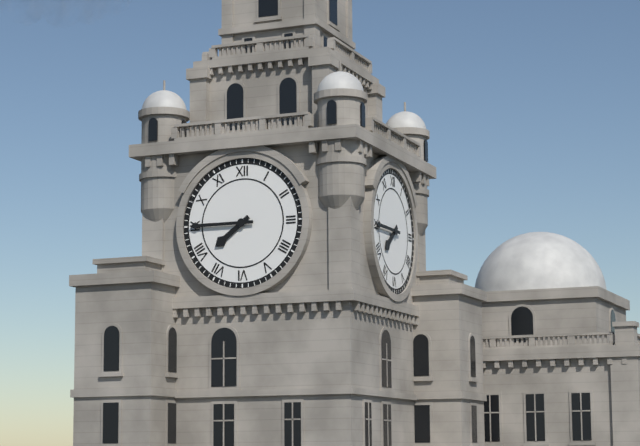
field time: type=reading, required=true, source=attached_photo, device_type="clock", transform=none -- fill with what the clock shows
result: 7:45
